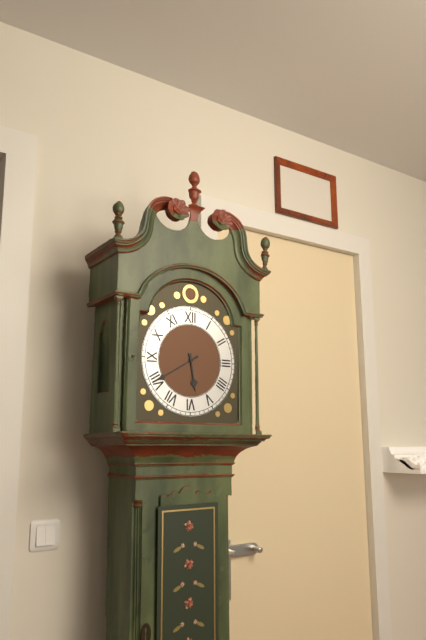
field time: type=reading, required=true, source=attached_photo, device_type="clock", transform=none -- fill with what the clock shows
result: 5:40
